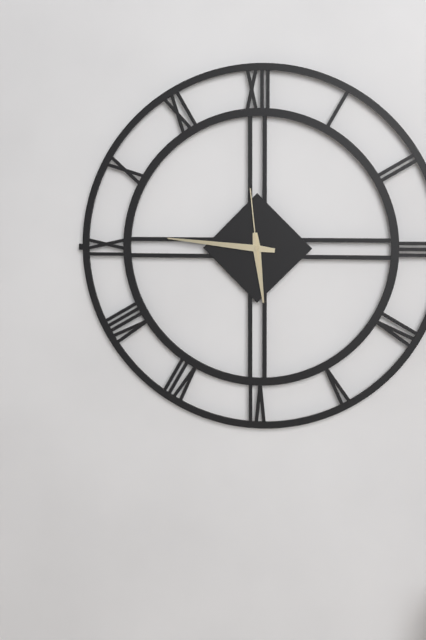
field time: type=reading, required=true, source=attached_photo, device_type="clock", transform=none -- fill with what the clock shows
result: 5:46:59
